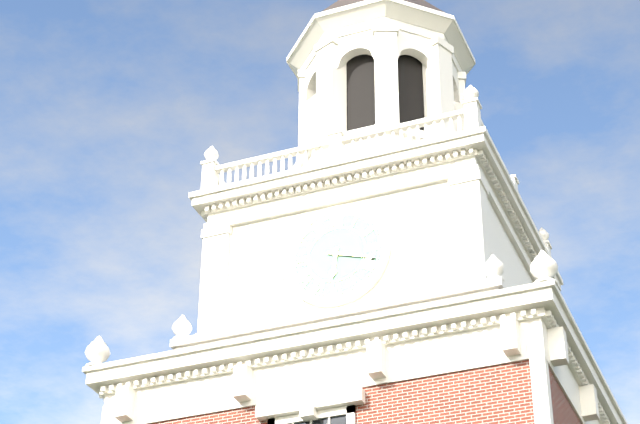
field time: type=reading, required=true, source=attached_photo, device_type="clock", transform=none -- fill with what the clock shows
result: 6:18
